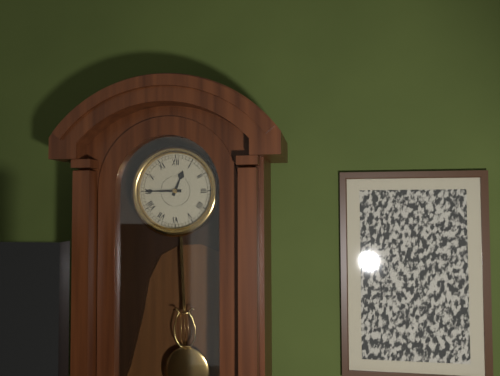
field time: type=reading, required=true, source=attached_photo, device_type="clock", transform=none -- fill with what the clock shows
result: 12:45
